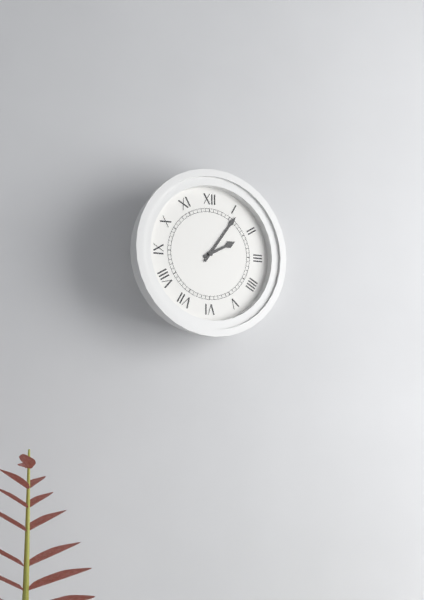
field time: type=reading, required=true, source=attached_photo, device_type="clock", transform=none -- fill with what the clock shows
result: 2:06
